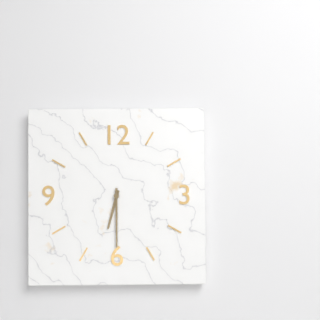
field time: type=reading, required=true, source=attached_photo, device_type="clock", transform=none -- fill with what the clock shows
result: 6:30
